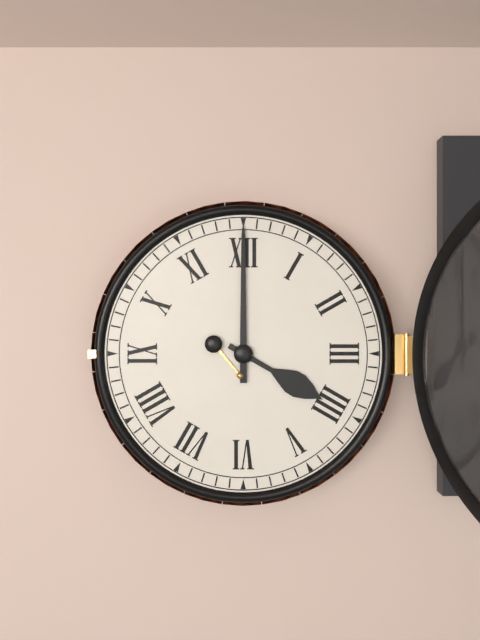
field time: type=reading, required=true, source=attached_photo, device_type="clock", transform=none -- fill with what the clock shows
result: 4:00
